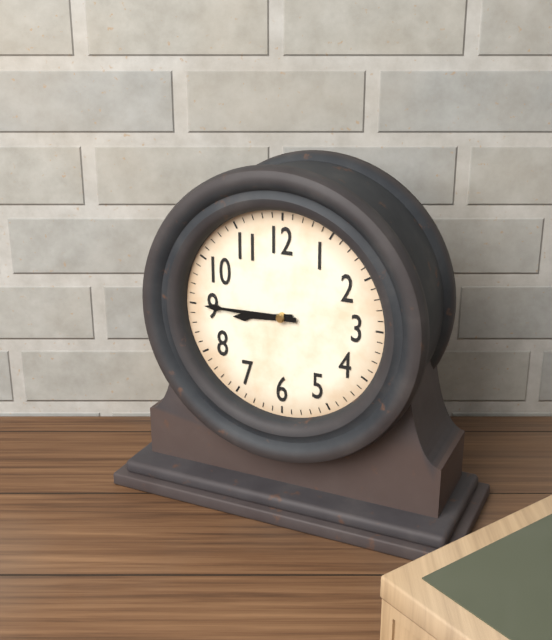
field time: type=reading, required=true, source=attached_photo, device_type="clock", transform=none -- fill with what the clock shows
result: 8:45
